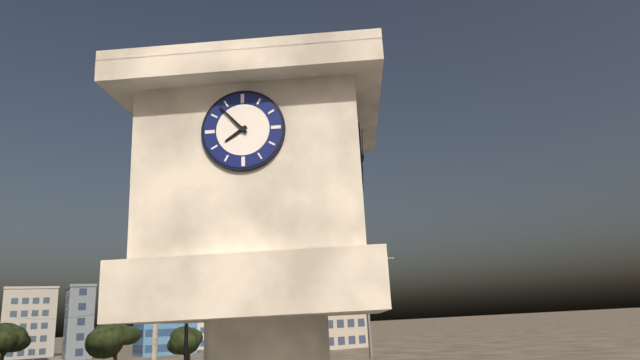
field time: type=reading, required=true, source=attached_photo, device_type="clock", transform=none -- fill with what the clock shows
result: 7:53
